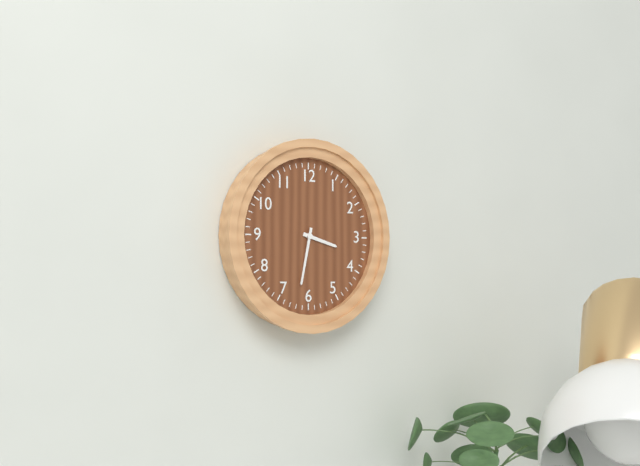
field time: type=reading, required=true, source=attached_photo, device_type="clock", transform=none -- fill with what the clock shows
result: 3:32
